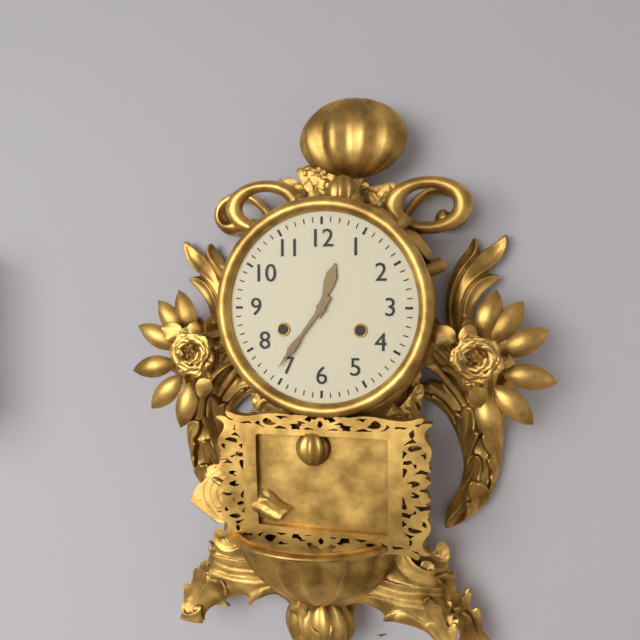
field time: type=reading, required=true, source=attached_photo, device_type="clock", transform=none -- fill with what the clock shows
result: 12:36
